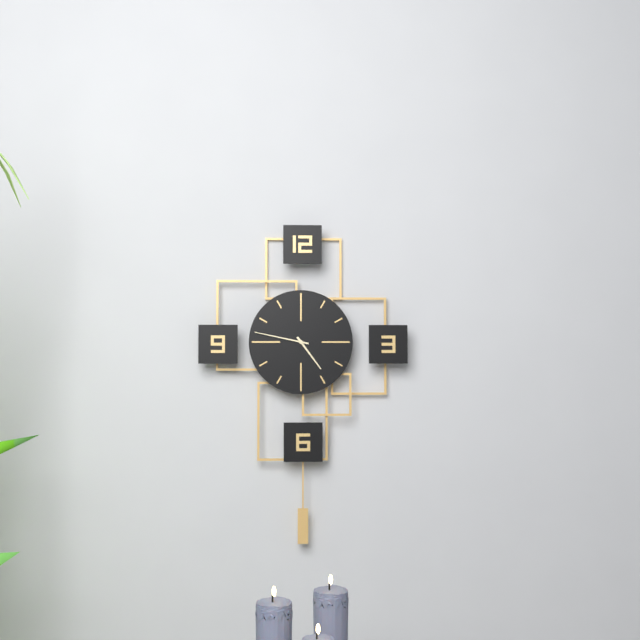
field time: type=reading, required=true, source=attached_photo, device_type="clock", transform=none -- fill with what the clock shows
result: 4:47
